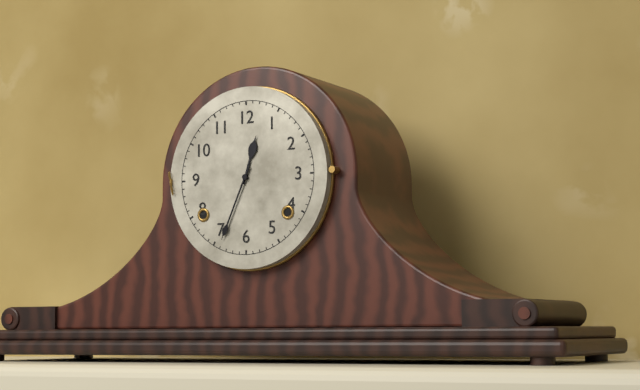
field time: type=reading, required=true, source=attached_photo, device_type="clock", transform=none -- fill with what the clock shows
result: 12:34
